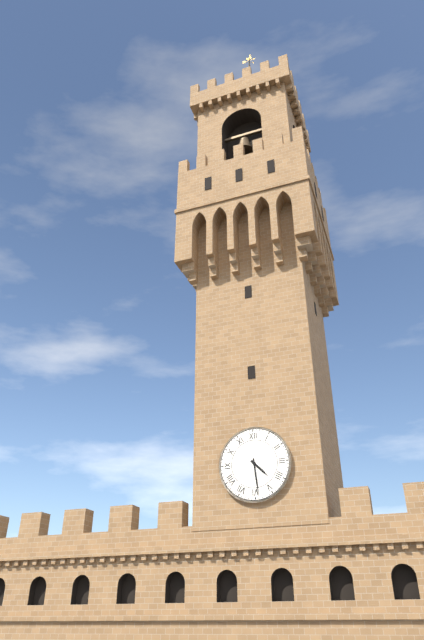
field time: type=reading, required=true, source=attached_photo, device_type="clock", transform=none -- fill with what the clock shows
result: 4:29
